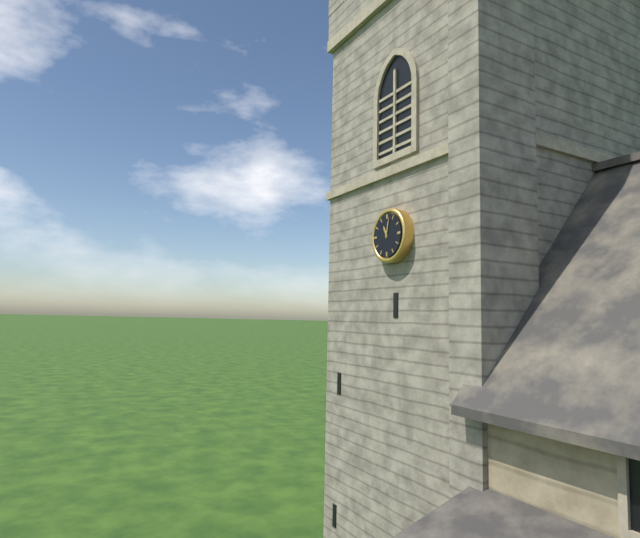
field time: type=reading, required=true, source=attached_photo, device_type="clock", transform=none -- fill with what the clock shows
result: 11:02
